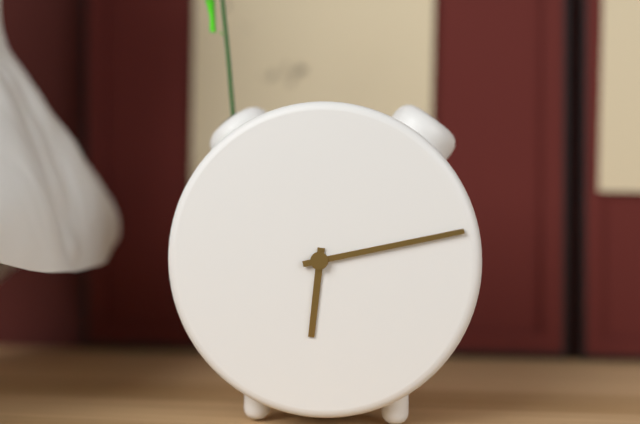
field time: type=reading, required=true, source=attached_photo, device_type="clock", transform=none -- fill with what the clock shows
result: 6:13
